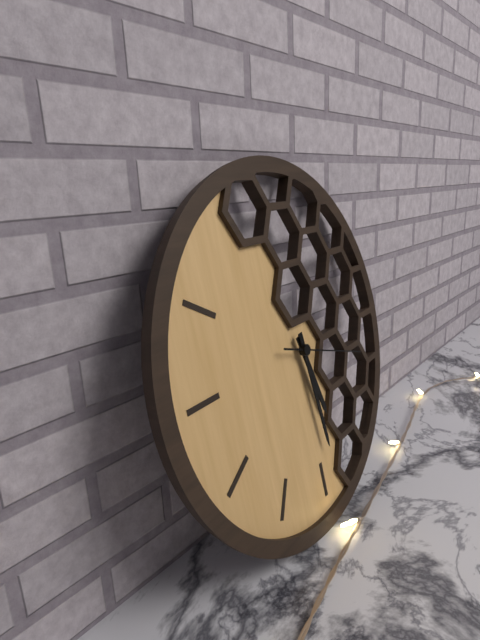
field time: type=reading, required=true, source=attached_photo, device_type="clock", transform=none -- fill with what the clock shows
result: 5:29:18
